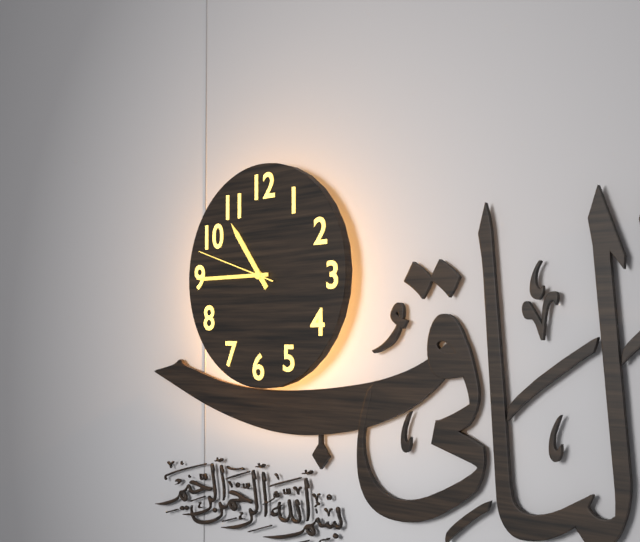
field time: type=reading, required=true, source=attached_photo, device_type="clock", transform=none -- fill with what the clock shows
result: 10:45:48
